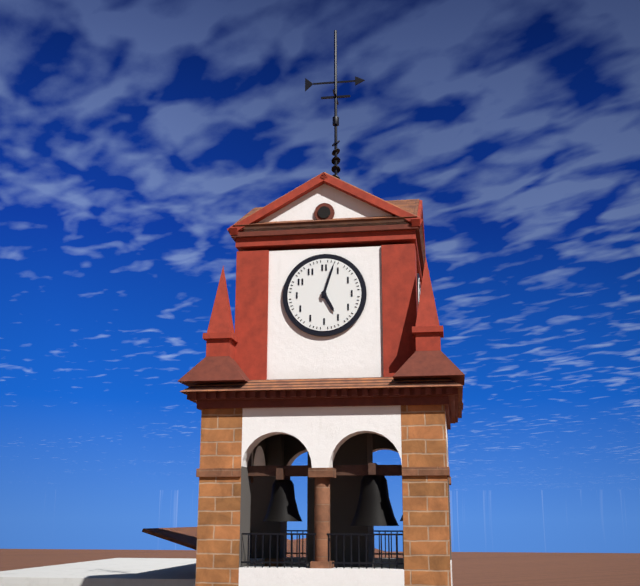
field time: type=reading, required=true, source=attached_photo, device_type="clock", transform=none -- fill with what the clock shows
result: 5:03
